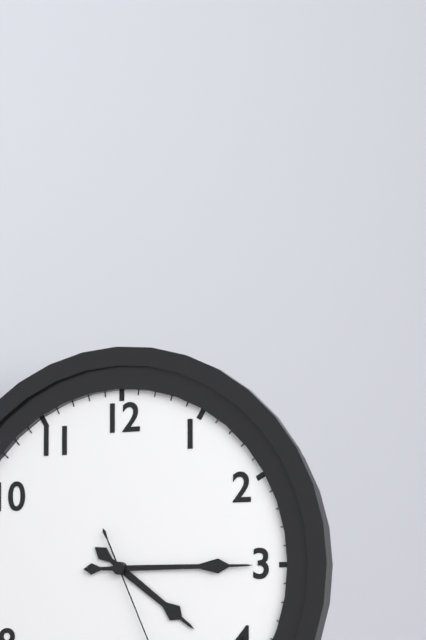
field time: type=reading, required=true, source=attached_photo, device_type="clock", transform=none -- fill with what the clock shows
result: 4:15
